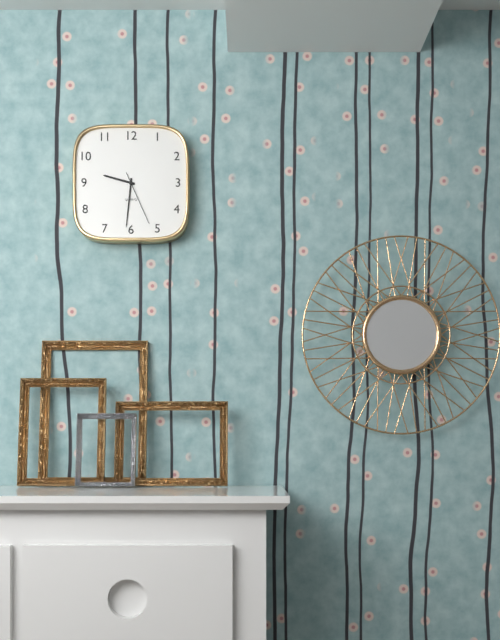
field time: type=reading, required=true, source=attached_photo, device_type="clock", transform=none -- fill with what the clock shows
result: 9:31
